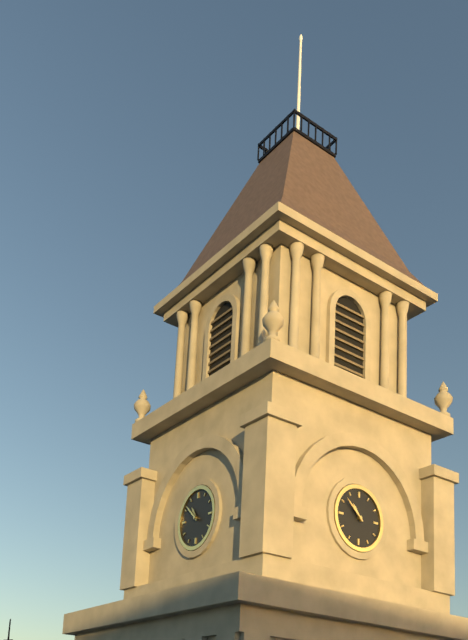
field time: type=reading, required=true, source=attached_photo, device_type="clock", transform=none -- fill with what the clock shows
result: 10:52
